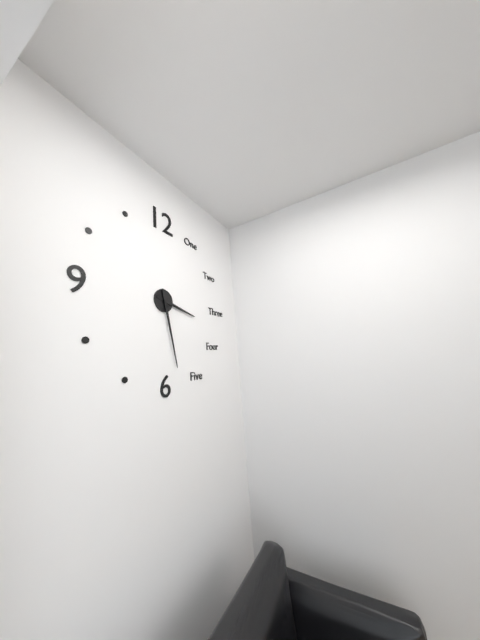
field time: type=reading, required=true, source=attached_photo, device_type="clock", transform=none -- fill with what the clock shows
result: 3:28
